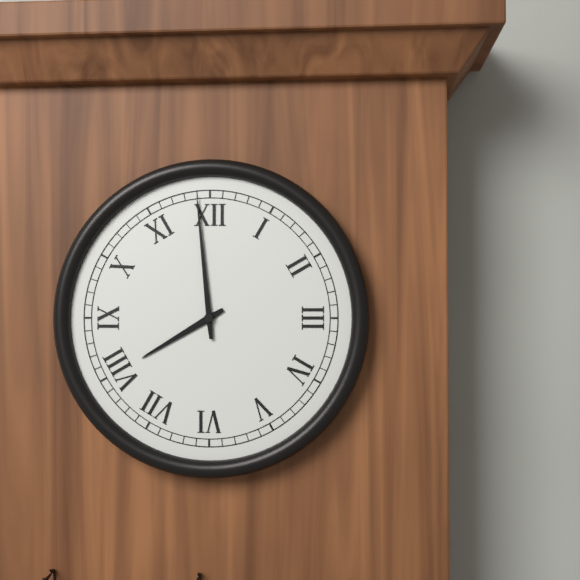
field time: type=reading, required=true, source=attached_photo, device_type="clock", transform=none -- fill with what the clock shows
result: 7:59
